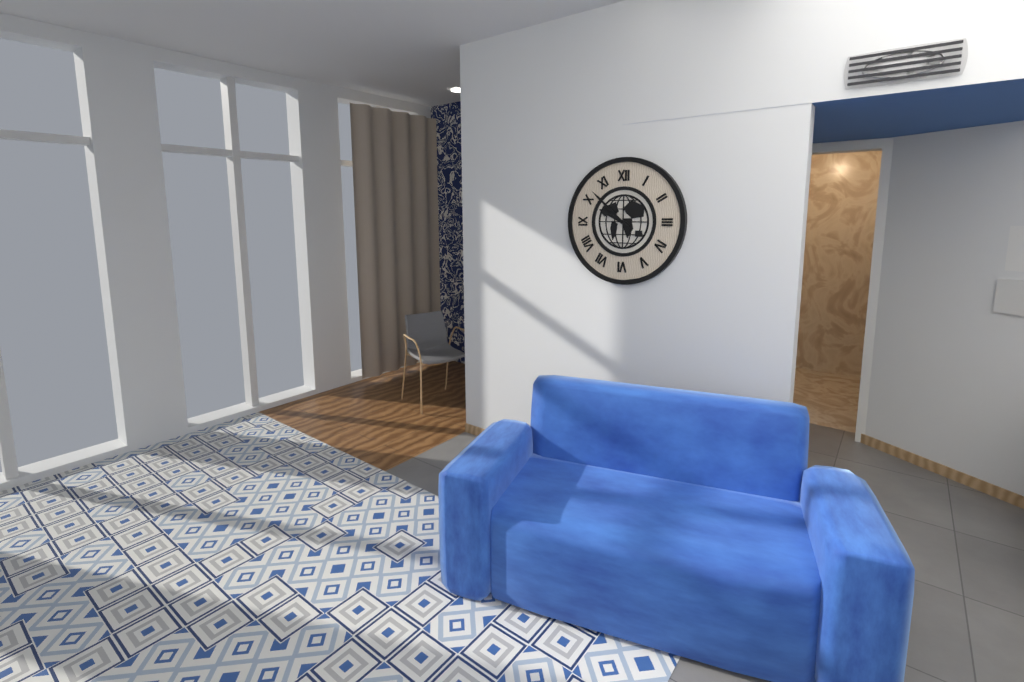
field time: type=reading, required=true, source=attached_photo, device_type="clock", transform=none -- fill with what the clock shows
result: 9:52
